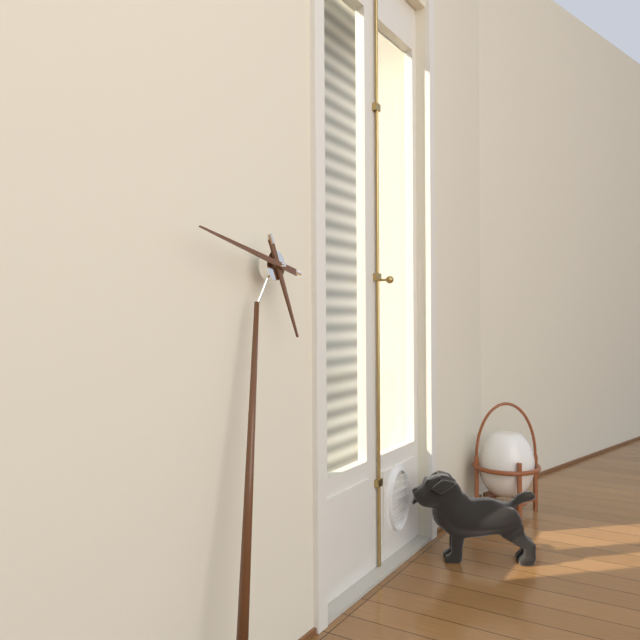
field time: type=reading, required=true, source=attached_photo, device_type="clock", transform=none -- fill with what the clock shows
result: 4:45
